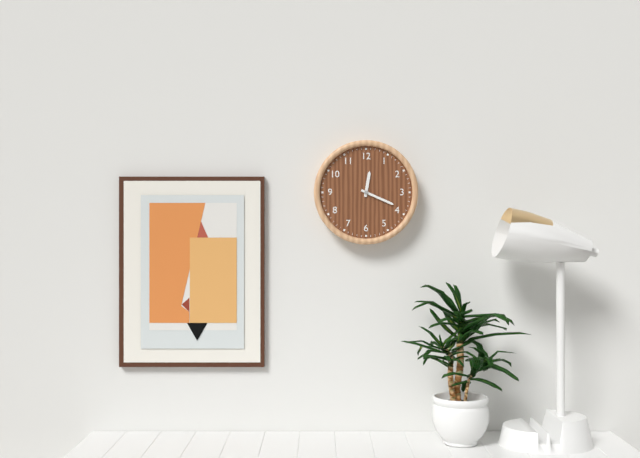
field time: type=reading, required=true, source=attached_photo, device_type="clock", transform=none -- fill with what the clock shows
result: 12:19
